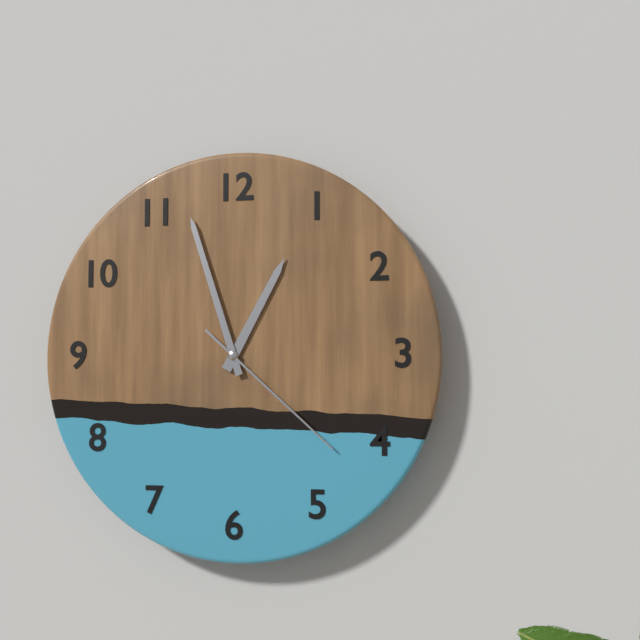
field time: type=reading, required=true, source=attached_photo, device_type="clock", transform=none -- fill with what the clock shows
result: 12:57:22
